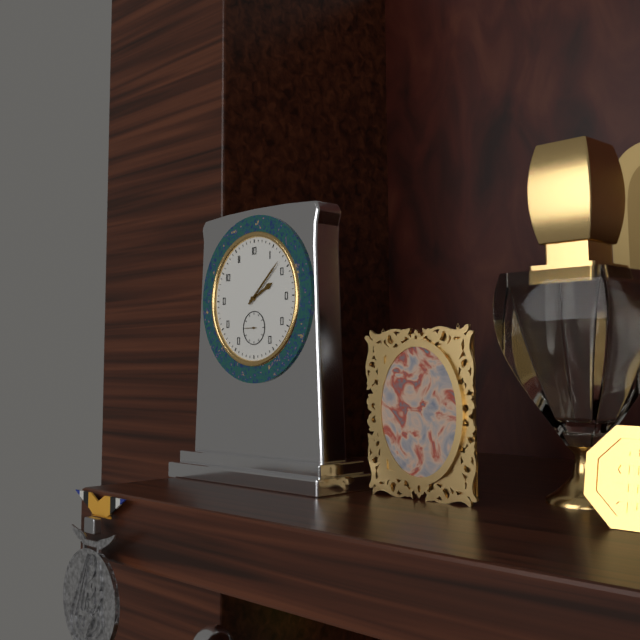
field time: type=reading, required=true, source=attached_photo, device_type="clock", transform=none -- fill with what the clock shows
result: 2:08
